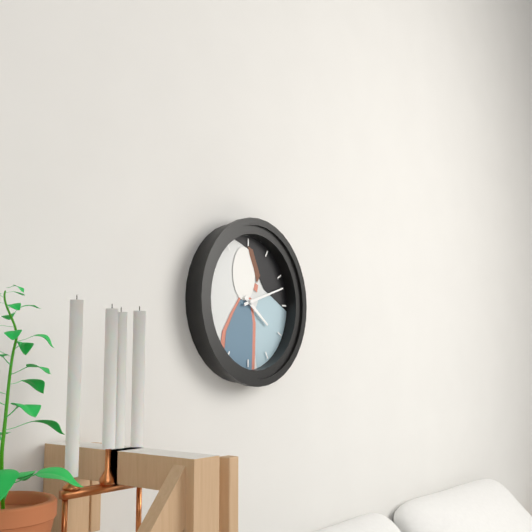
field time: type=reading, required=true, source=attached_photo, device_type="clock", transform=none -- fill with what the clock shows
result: 4:12
